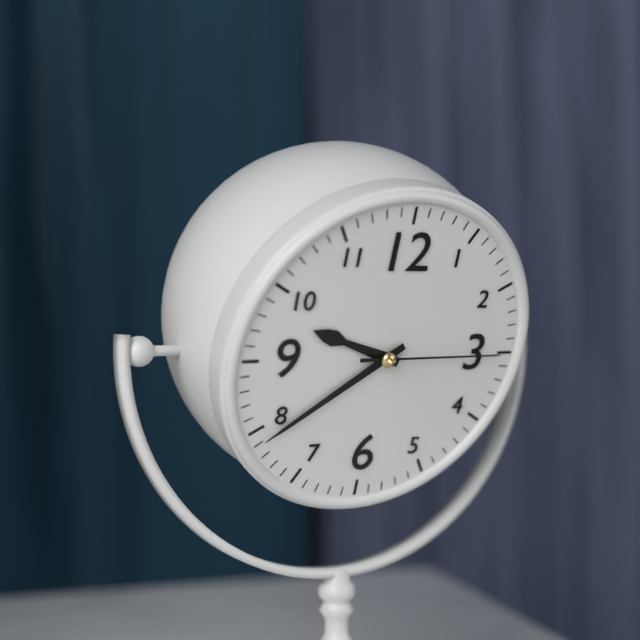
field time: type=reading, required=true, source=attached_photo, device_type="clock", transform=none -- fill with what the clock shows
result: 9:39:15
